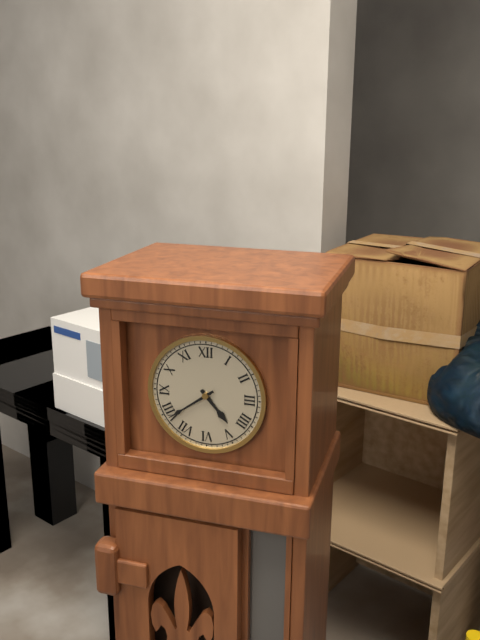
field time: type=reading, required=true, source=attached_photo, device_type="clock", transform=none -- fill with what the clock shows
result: 4:39
